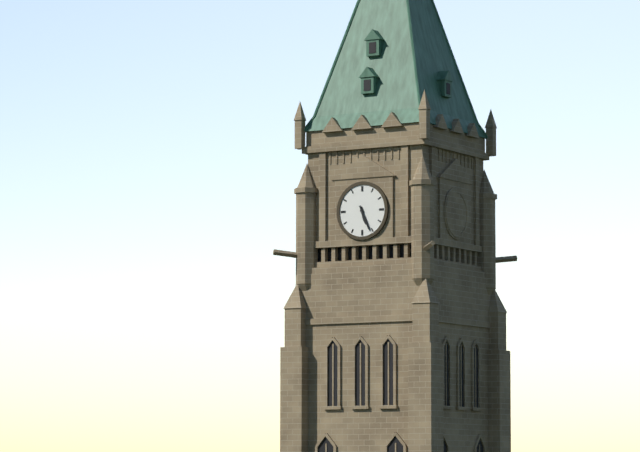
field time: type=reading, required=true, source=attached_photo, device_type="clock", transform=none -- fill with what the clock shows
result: 5:26
